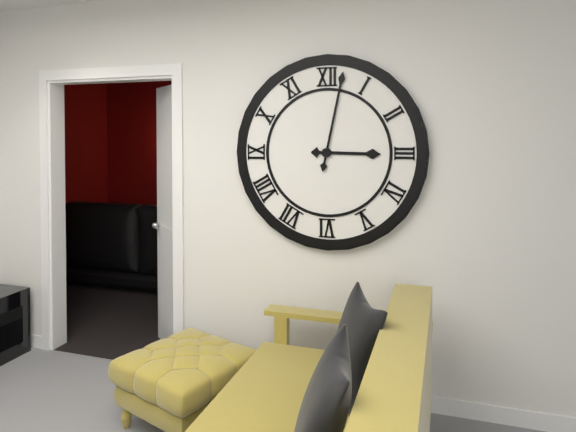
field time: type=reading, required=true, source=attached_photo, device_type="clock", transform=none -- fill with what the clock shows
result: 3:02
